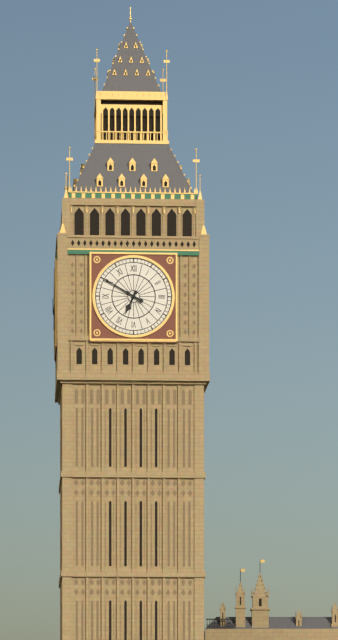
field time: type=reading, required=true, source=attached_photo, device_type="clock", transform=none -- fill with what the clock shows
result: 6:50
